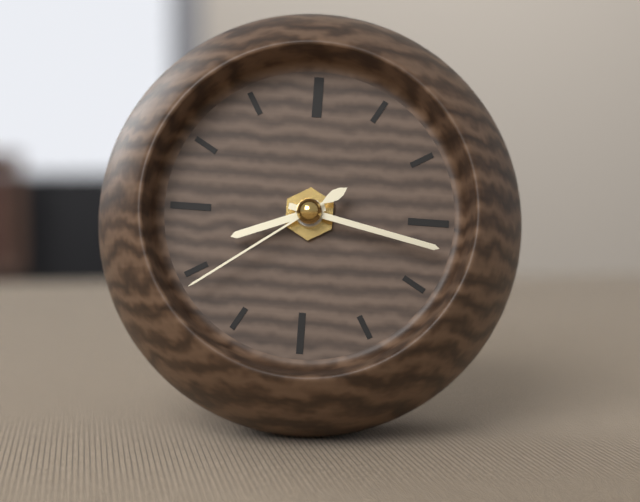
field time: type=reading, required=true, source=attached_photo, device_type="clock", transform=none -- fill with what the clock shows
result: 8:17:39
